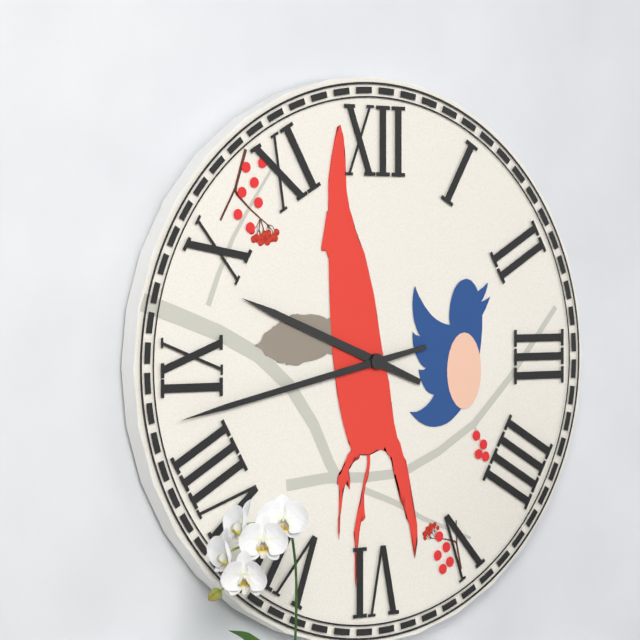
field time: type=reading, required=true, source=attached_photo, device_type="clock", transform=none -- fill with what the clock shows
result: 9:43
